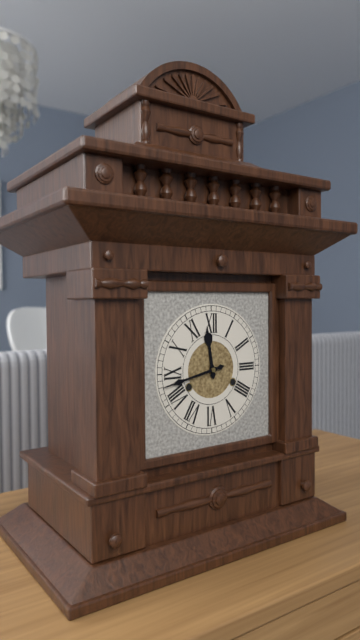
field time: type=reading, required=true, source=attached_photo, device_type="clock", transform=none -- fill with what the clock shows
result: 11:43
